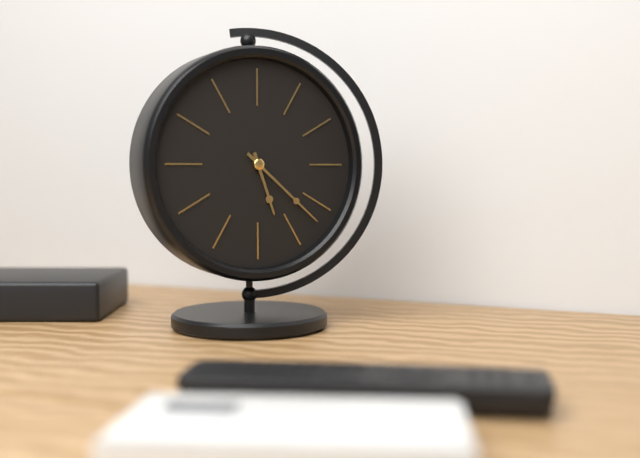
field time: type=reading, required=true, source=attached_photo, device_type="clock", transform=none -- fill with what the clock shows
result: 5:22
